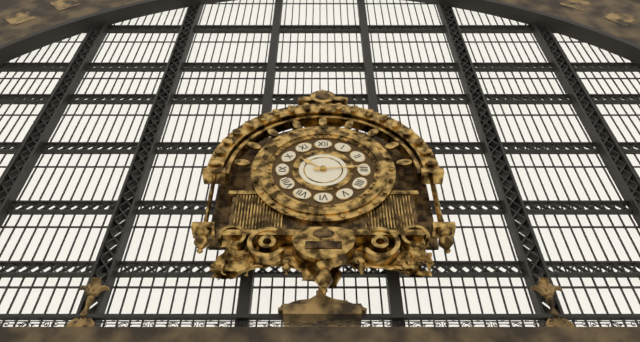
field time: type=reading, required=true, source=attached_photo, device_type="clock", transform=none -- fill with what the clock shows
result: 10:14
